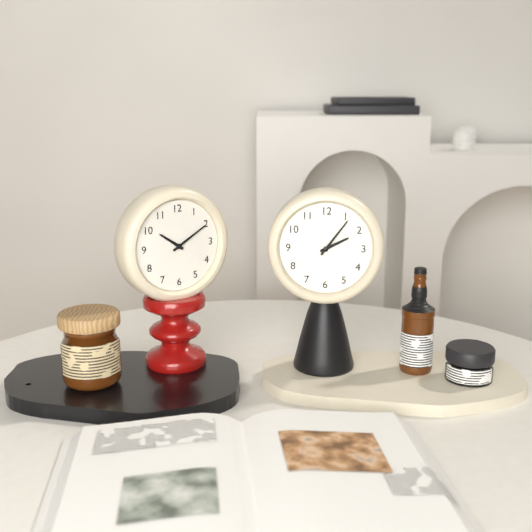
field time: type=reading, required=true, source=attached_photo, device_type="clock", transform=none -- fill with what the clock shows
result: 2:06
